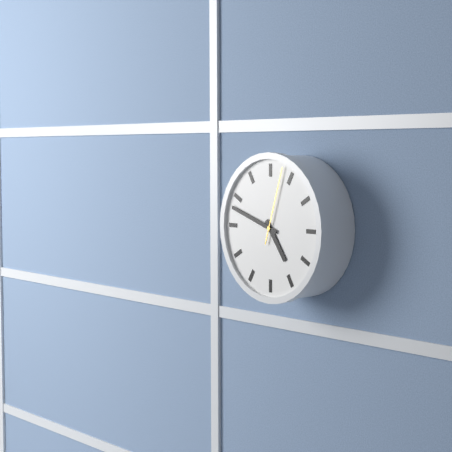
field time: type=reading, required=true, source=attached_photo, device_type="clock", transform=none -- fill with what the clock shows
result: 4:48:03
